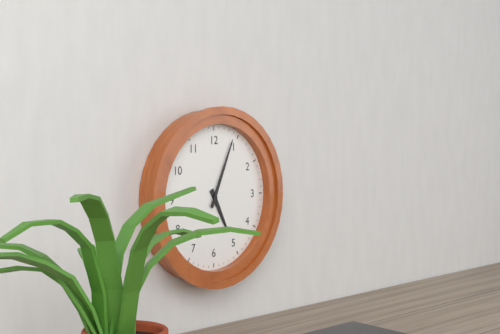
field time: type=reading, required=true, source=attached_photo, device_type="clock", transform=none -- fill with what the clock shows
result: 5:04
